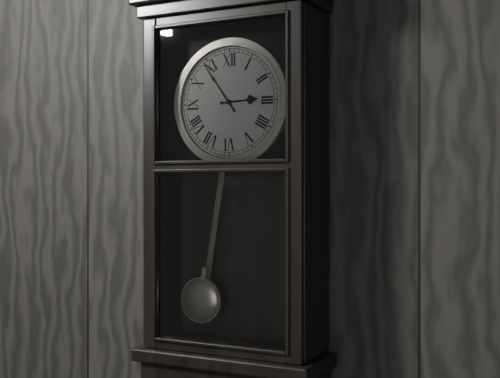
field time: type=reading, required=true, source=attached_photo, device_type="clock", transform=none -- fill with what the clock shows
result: 2:54
